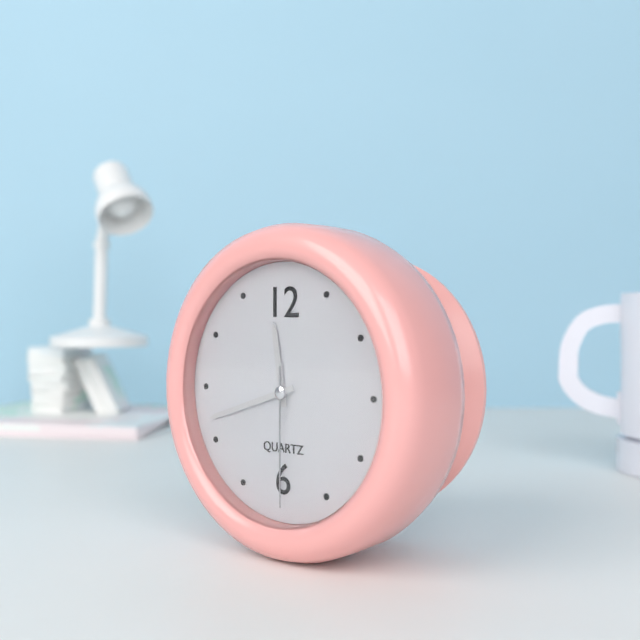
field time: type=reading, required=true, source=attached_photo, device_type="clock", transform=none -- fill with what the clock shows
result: 11:42:30
